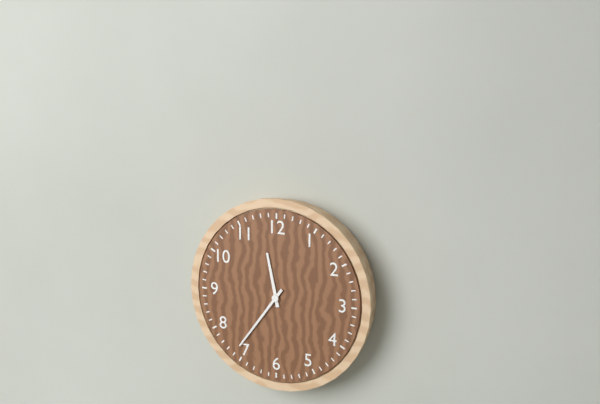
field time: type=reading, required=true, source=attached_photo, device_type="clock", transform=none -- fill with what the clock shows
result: 11:36
